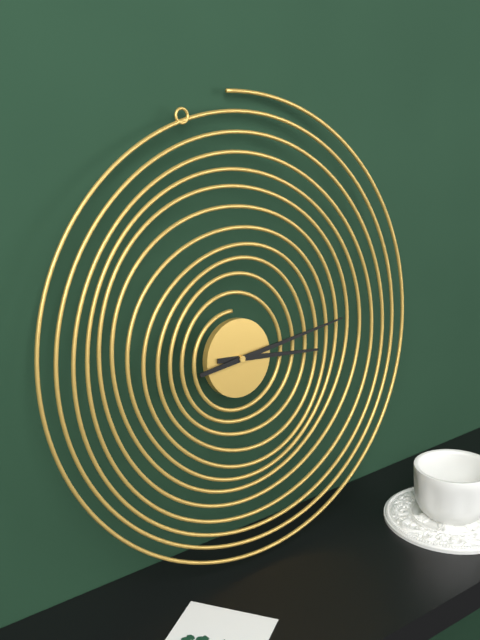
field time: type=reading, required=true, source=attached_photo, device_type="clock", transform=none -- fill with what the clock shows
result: 3:14
